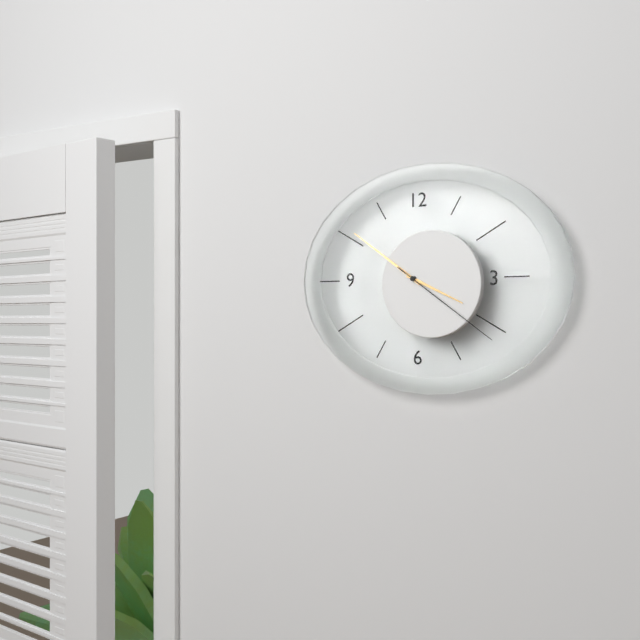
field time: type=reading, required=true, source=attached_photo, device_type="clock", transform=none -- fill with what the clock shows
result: 3:51:21
